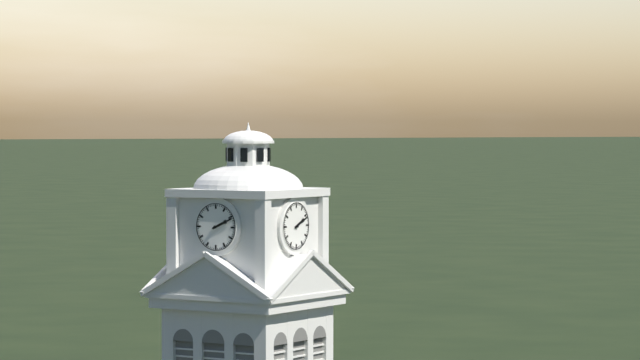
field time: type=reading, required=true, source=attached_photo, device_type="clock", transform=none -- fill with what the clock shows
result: 2:11
